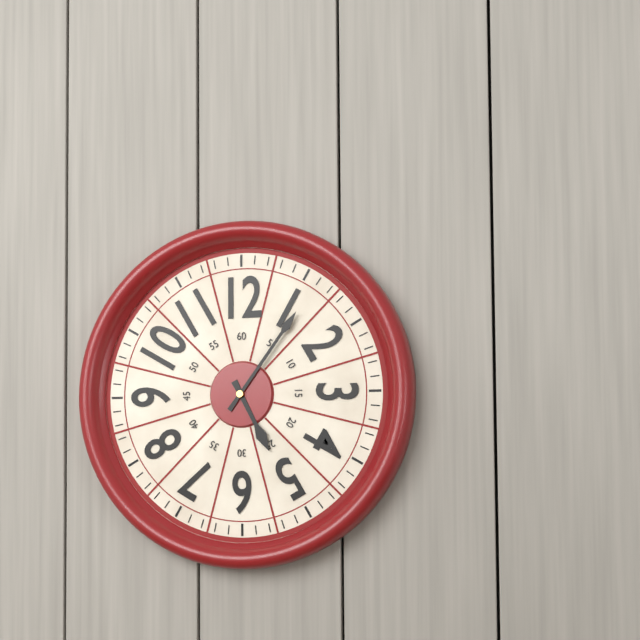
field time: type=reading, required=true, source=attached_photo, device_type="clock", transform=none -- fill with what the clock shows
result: 5:06
